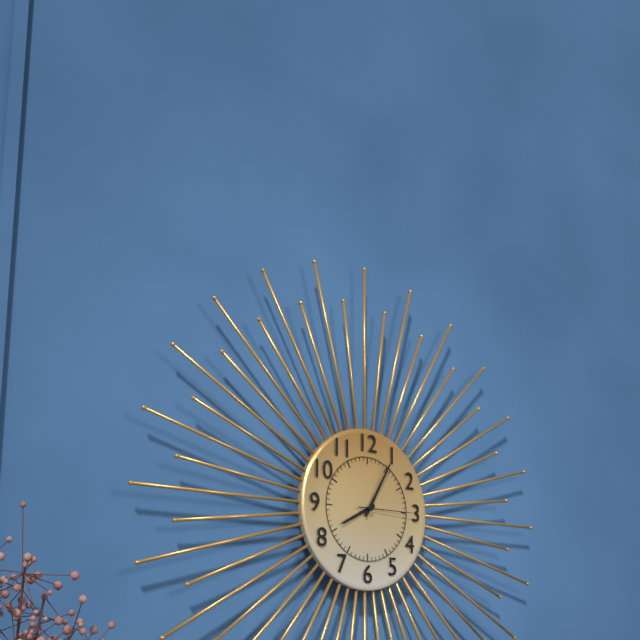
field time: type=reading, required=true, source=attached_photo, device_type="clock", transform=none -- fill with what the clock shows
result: 8:05:15
